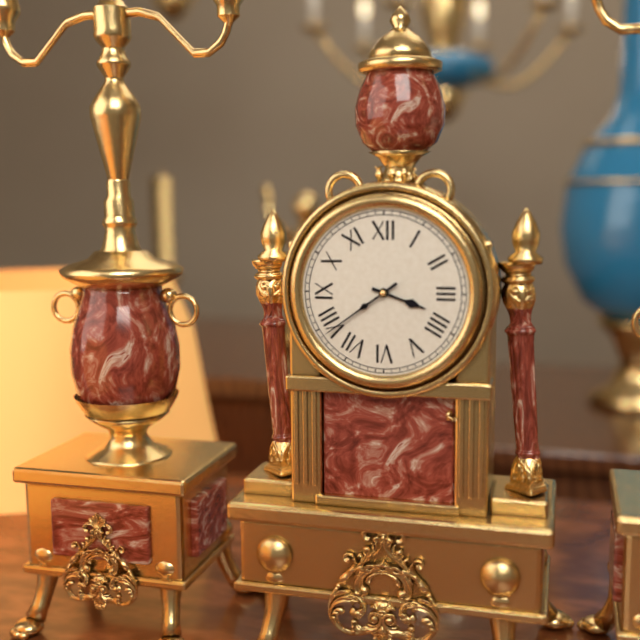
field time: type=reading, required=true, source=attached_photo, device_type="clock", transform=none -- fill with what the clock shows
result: 3:39
